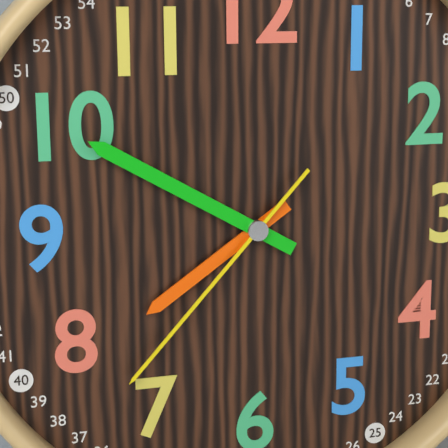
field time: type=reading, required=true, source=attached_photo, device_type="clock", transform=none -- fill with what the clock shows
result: 7:50:37
